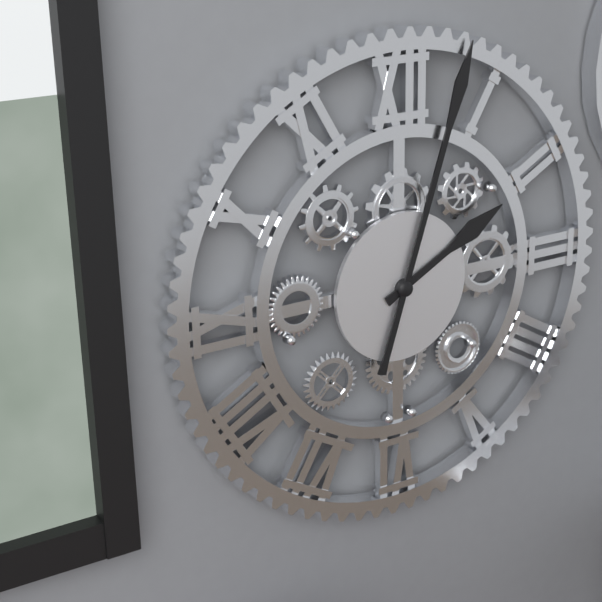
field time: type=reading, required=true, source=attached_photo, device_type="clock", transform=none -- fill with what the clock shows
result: 2:03
